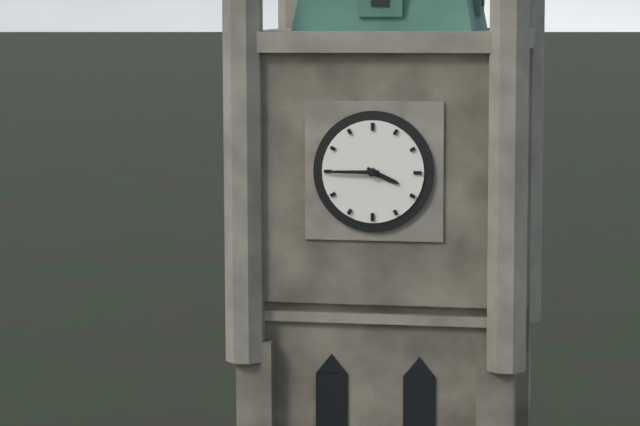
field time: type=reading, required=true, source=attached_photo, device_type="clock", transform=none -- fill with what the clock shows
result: 3:45
